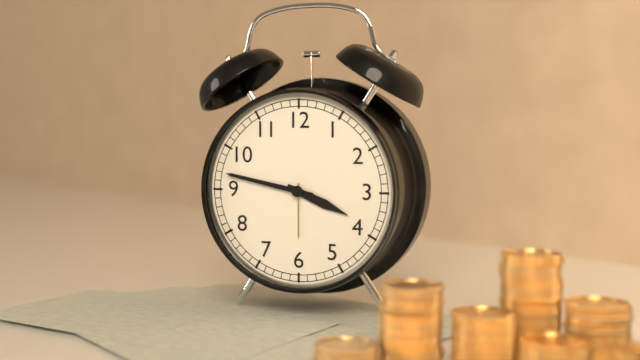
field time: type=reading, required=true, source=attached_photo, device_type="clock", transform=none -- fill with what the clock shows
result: 3:47
